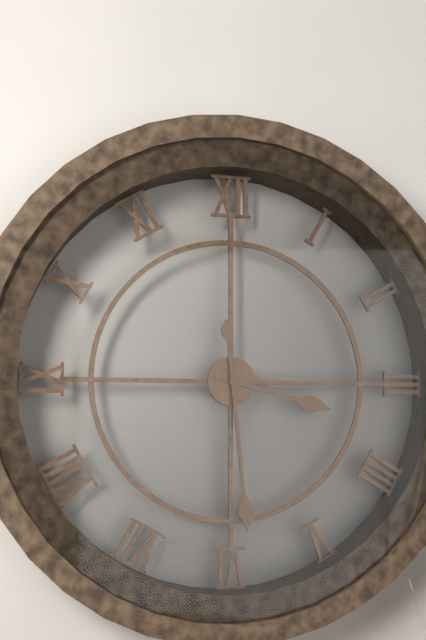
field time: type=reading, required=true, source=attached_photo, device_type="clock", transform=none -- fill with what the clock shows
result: 3:29
